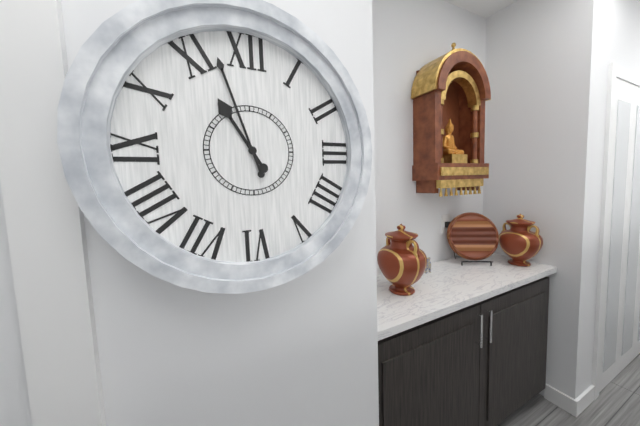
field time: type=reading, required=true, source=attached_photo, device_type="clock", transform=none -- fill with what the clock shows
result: 10:57
